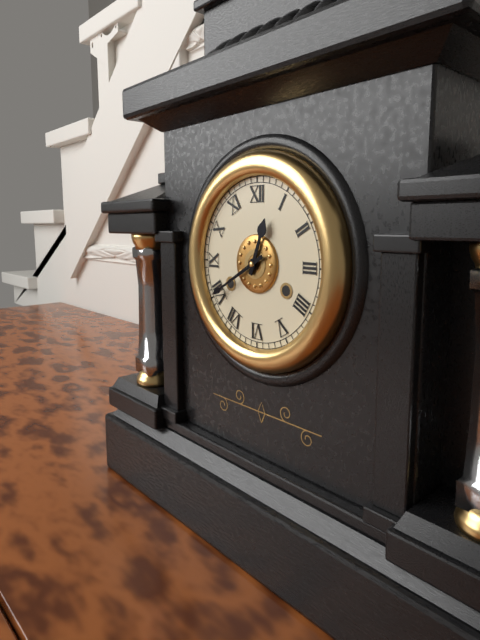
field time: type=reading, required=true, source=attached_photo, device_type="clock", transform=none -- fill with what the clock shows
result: 12:40
